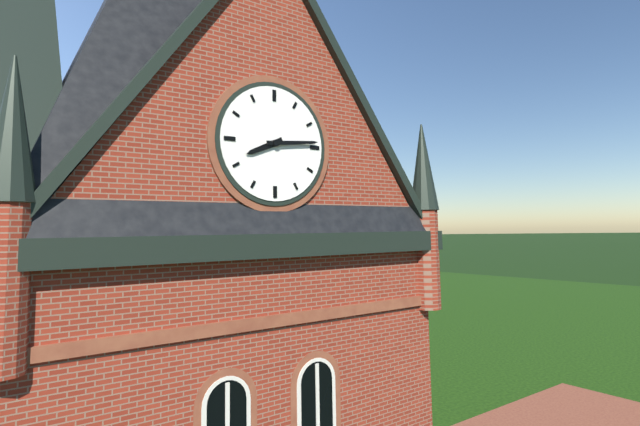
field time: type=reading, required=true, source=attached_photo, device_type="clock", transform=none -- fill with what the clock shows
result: 8:14
